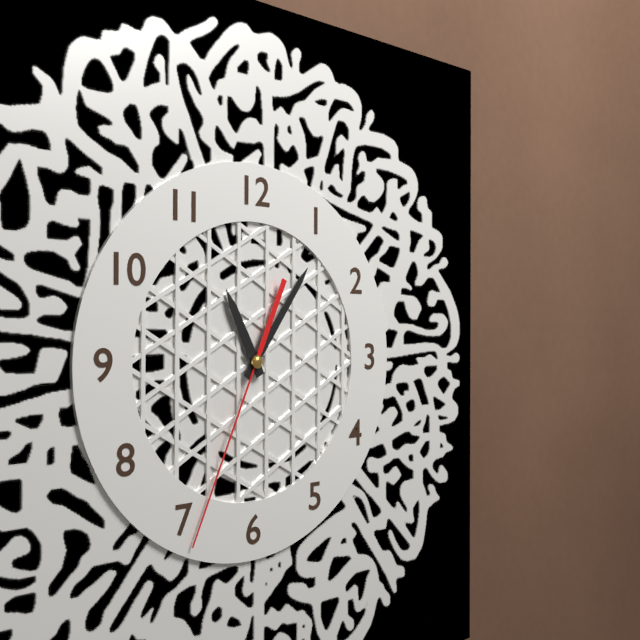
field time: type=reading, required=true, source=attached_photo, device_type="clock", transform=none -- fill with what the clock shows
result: 11:06:34
